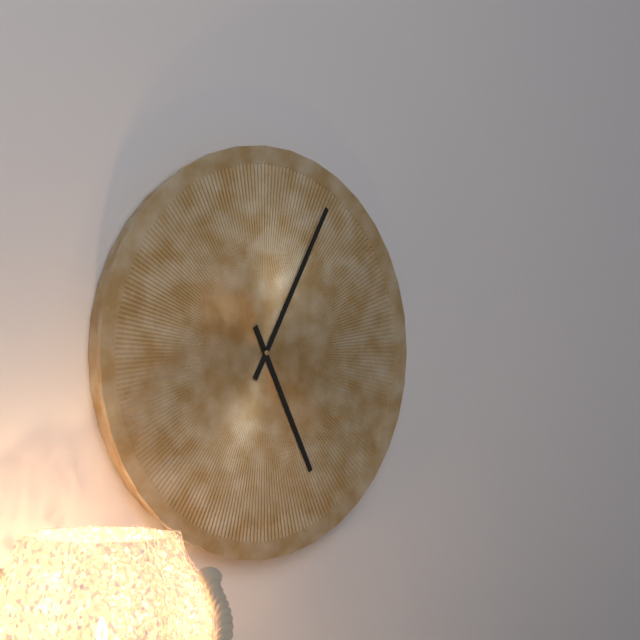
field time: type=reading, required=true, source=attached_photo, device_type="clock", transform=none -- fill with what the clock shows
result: 5:05
